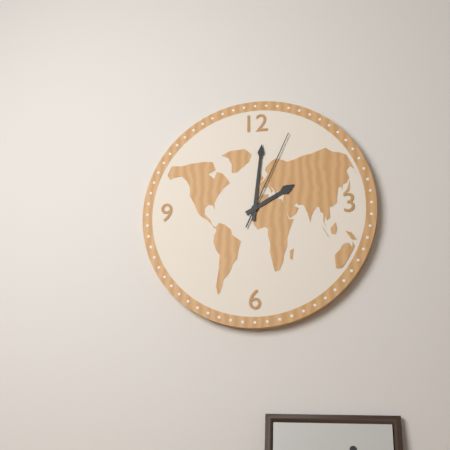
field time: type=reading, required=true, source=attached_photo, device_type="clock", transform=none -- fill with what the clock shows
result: 2:01:04
